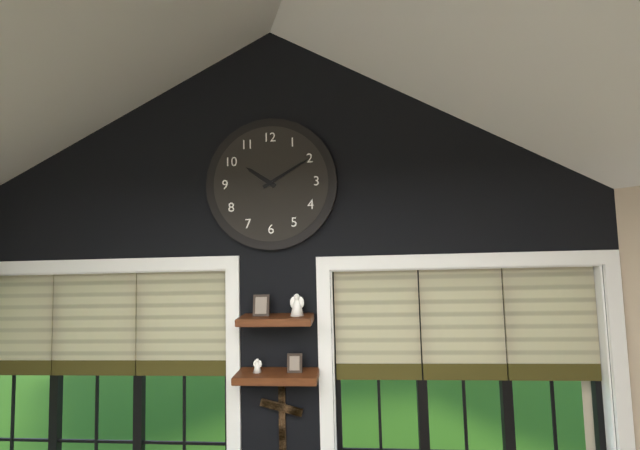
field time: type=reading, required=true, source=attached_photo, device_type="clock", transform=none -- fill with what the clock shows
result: 10:10
